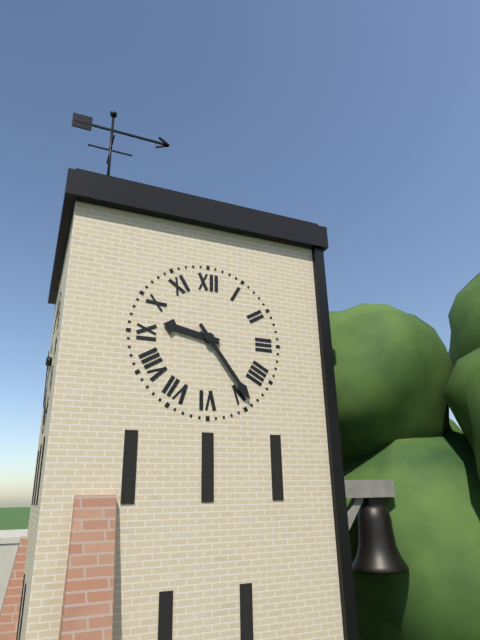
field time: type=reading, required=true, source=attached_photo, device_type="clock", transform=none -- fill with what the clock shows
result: 9:24
